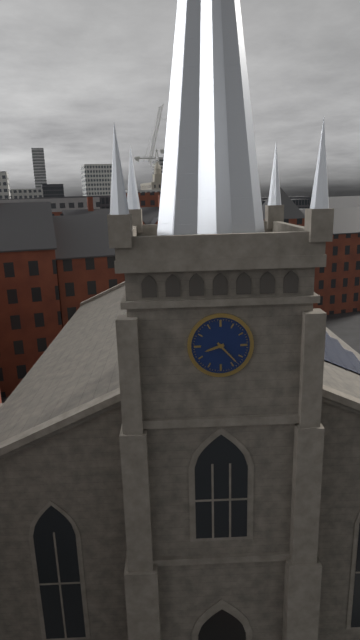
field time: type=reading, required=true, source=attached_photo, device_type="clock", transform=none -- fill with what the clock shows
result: 8:23
